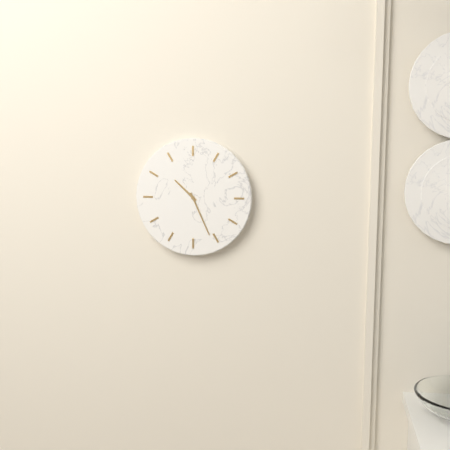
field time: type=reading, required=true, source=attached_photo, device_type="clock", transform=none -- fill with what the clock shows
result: 10:26
